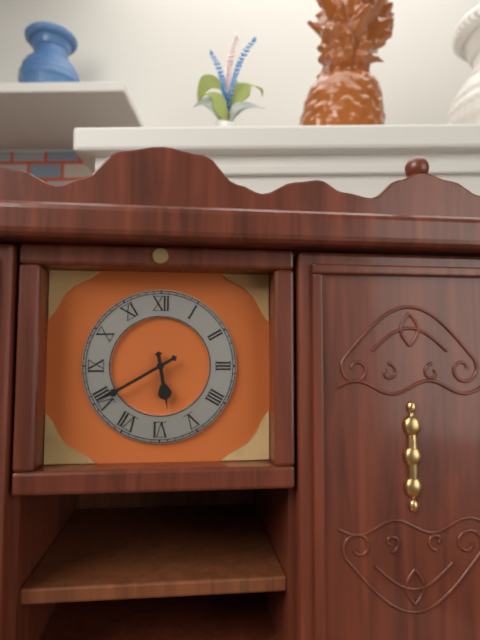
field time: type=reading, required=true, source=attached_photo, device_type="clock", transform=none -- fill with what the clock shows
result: 5:40
